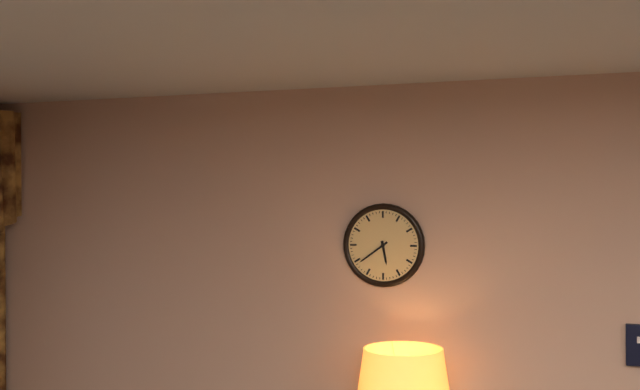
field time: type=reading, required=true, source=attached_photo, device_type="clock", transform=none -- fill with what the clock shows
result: 5:39
